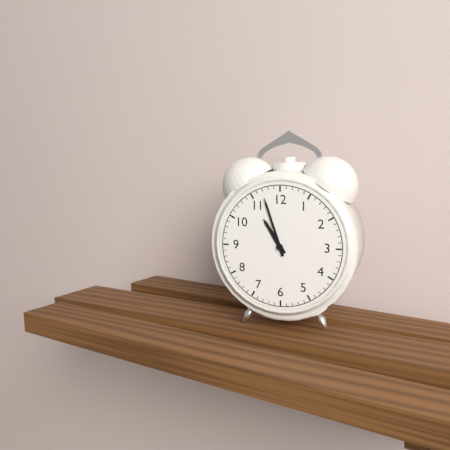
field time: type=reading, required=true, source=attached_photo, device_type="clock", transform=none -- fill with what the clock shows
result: 10:57
